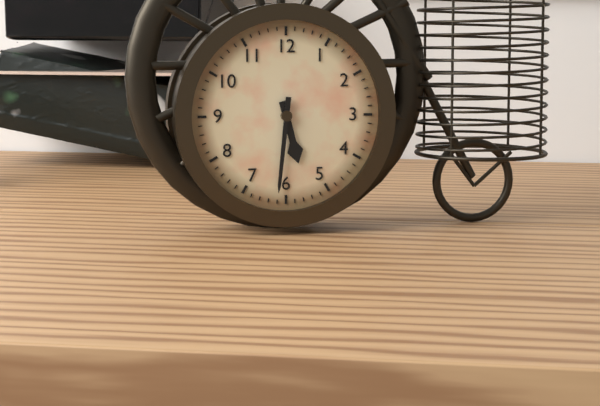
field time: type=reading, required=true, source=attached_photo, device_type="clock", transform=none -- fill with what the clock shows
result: 5:31
